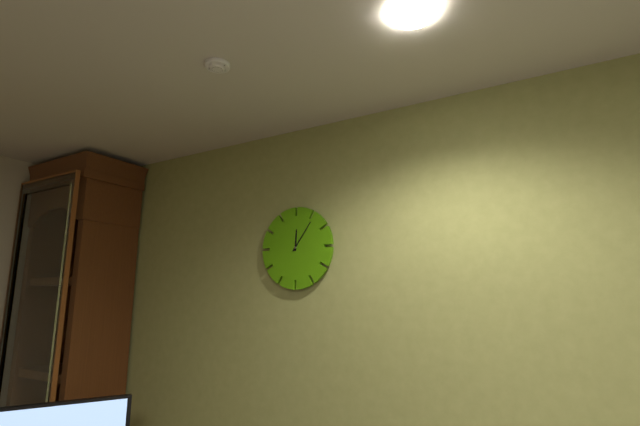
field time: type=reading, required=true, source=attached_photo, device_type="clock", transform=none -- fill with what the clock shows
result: 12:06
